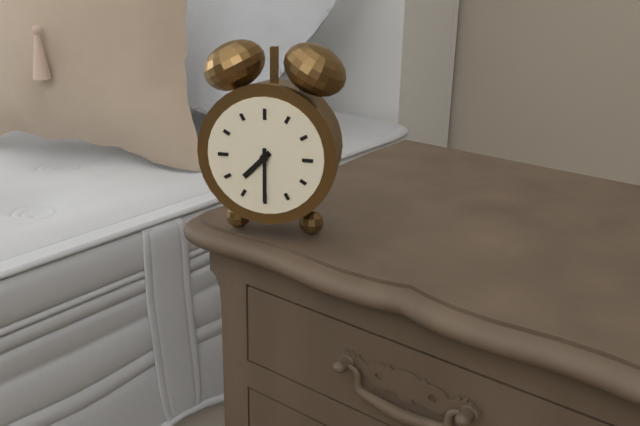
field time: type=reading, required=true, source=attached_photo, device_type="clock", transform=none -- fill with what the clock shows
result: 7:30
